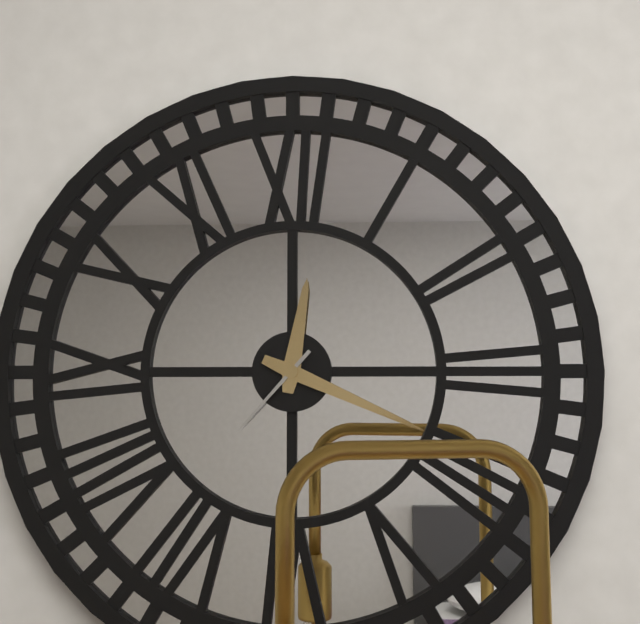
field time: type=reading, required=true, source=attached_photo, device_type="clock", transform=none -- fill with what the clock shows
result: 12:19:37
